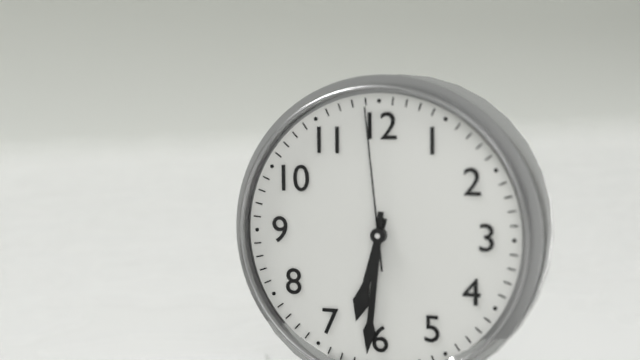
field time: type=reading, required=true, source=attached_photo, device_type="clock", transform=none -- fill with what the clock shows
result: 6:31:59
